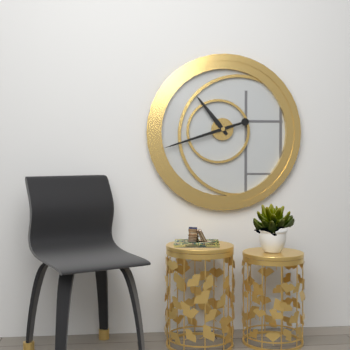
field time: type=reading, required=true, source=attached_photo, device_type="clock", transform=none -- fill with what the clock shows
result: 10:42
